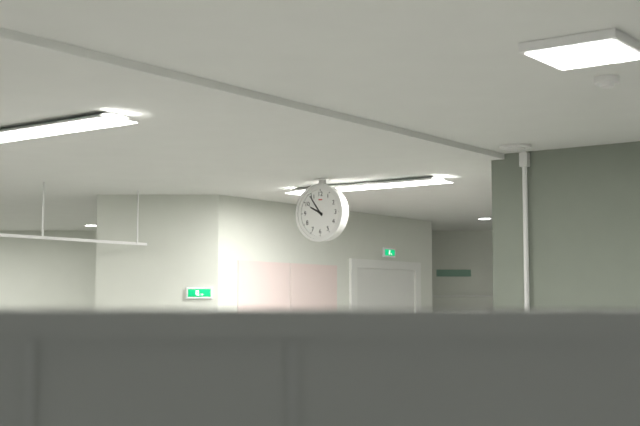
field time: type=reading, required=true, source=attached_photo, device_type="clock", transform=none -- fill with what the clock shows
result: 9:54
